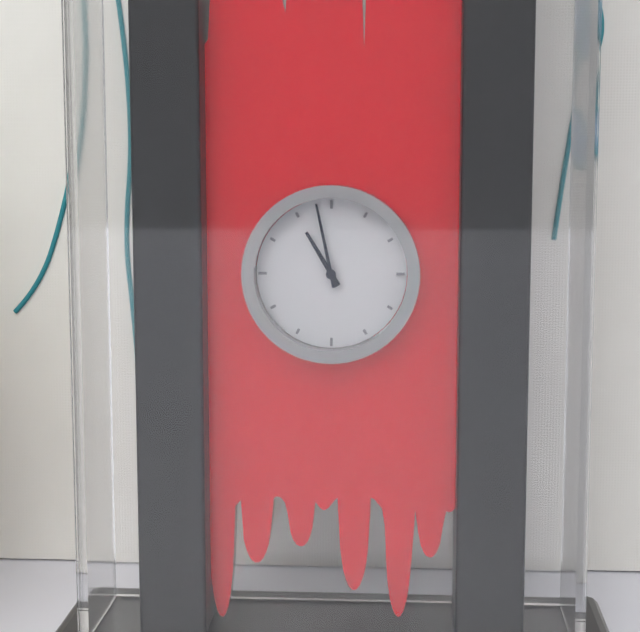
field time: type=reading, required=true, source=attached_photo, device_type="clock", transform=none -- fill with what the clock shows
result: 10:58
